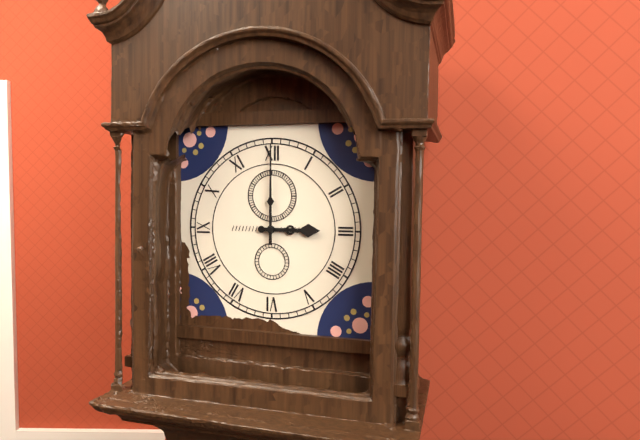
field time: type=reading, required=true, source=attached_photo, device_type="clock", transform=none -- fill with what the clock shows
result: 3:00
